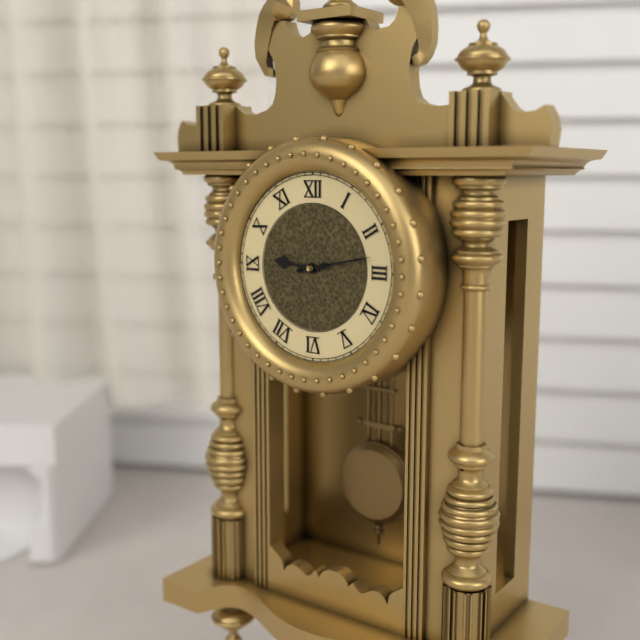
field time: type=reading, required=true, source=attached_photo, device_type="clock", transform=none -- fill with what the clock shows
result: 9:13
